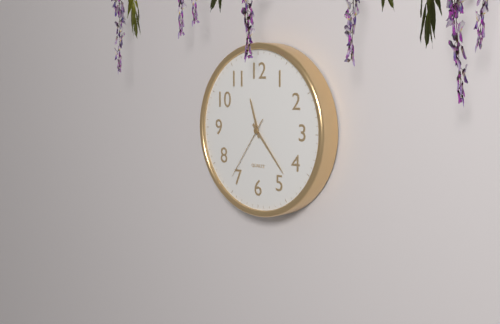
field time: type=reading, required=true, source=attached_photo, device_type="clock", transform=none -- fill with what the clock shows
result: 11:23:36
